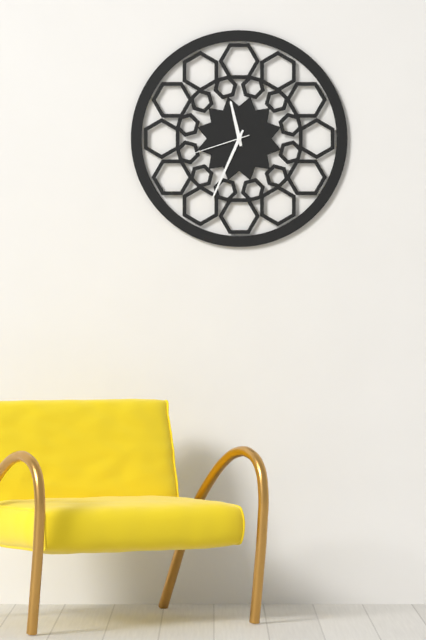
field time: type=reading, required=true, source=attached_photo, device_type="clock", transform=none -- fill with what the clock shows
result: 11:34:42
